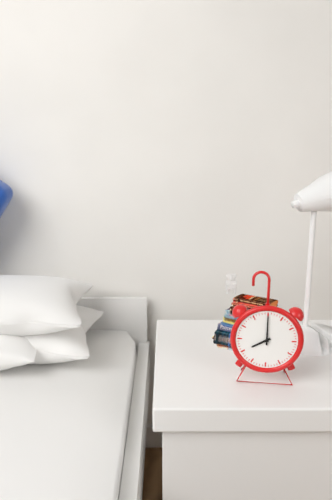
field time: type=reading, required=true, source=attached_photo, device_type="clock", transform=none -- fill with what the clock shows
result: 8:00
